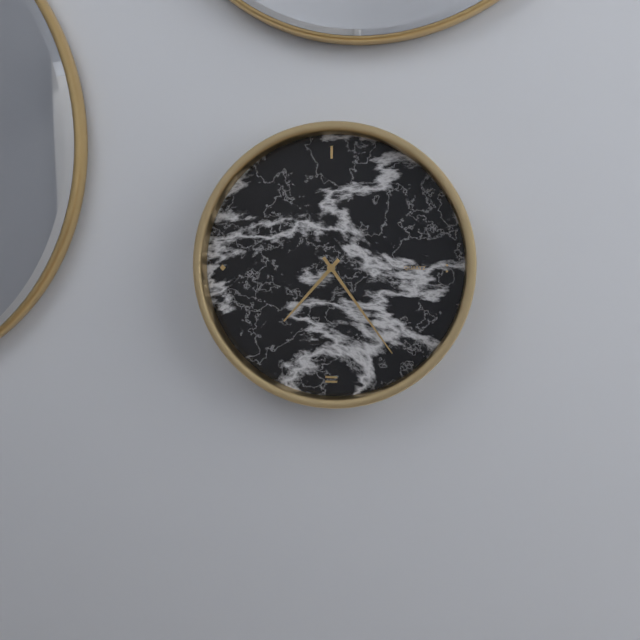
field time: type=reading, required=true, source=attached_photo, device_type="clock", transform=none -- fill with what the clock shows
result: 7:24
